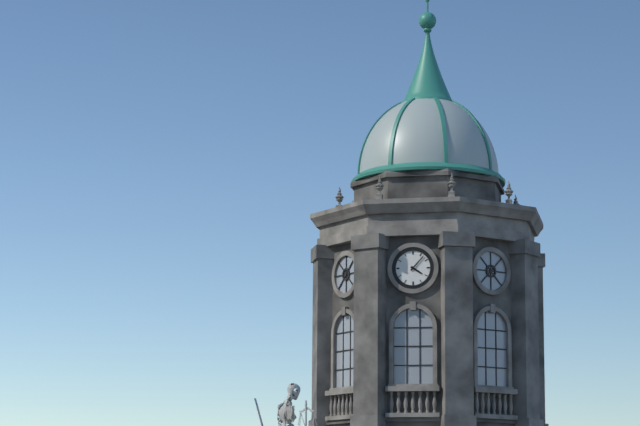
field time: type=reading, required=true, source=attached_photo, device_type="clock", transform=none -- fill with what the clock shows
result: 4:07
